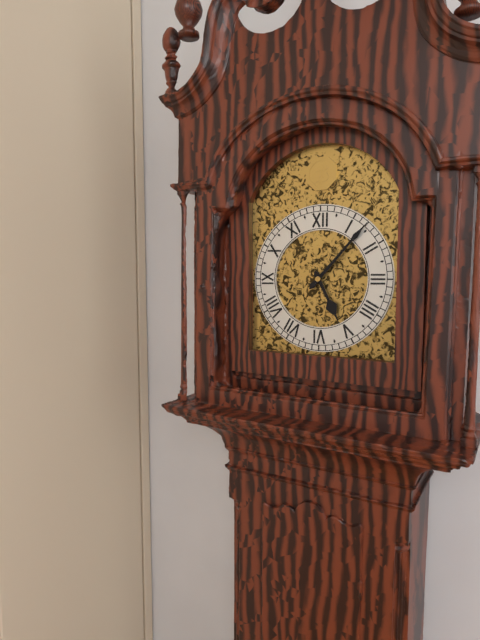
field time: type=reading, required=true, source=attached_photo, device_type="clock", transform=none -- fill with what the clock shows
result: 5:07
